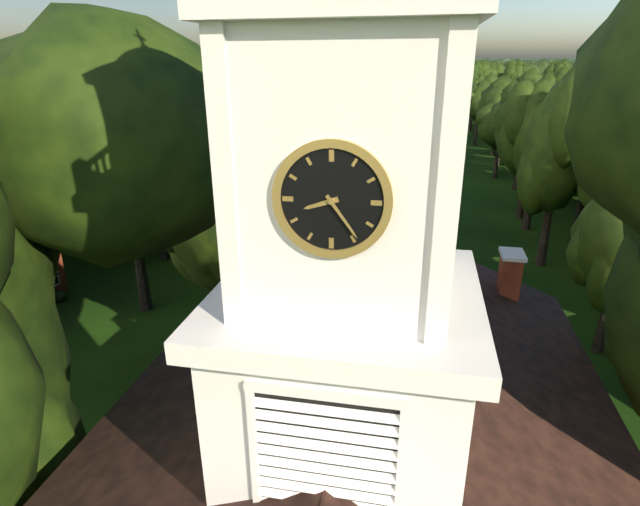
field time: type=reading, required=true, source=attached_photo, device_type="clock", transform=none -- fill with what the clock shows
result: 8:24
